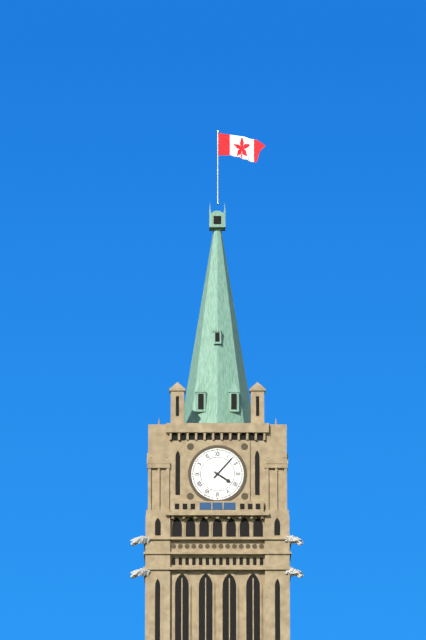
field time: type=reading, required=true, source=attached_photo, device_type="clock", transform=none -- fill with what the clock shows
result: 4:07
